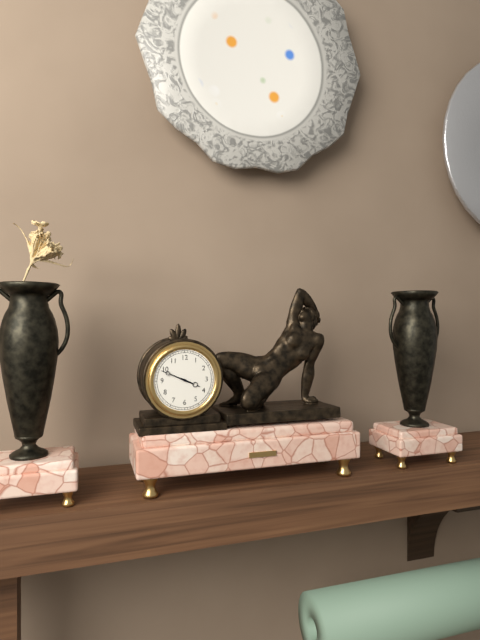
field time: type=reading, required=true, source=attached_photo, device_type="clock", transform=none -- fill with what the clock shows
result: 3:49
